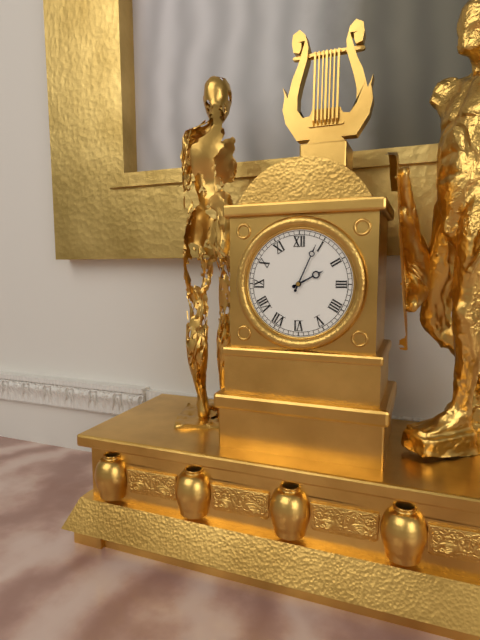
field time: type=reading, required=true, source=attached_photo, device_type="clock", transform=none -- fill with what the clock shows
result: 2:04
